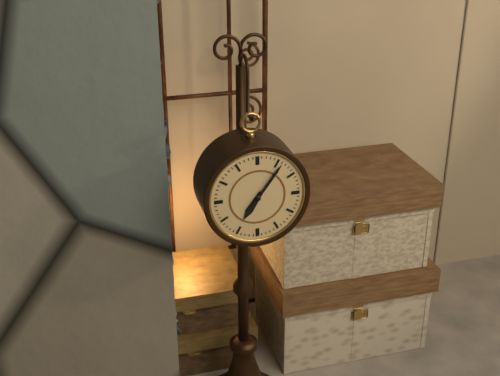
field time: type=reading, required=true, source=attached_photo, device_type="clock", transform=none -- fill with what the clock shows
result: 7:06
